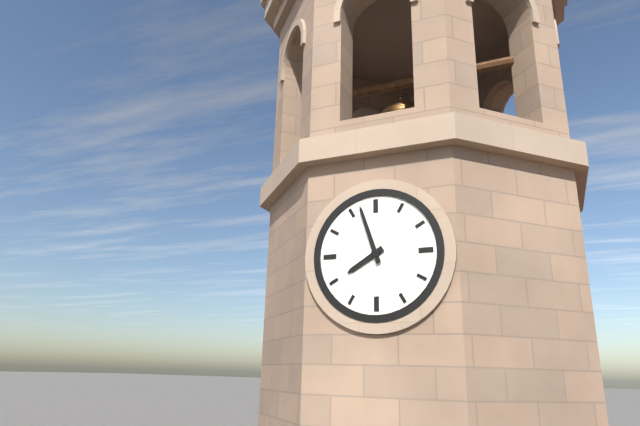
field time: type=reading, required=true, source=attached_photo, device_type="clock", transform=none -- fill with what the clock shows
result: 7:57
